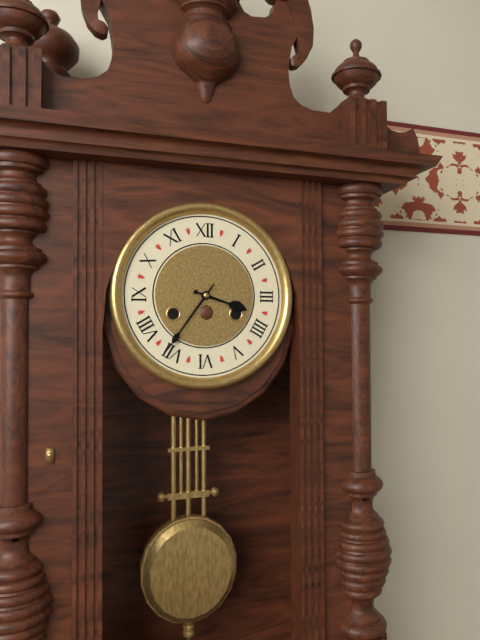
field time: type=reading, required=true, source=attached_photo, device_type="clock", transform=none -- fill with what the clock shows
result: 3:36
